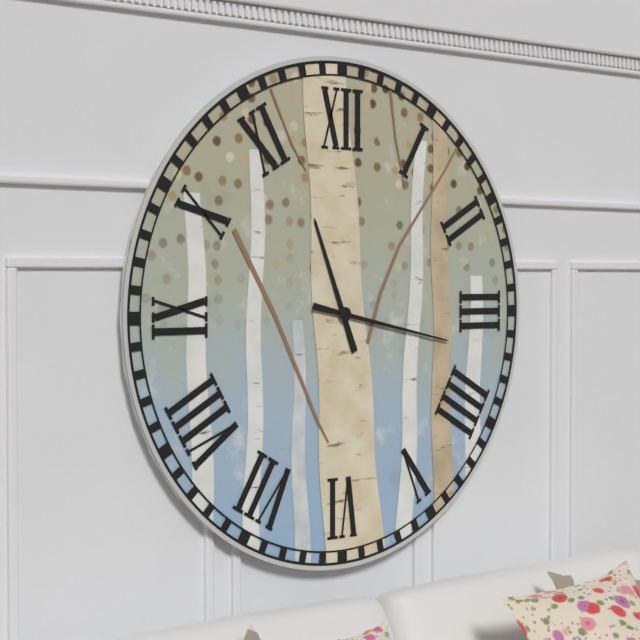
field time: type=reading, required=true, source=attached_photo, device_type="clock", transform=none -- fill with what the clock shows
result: 11:17
